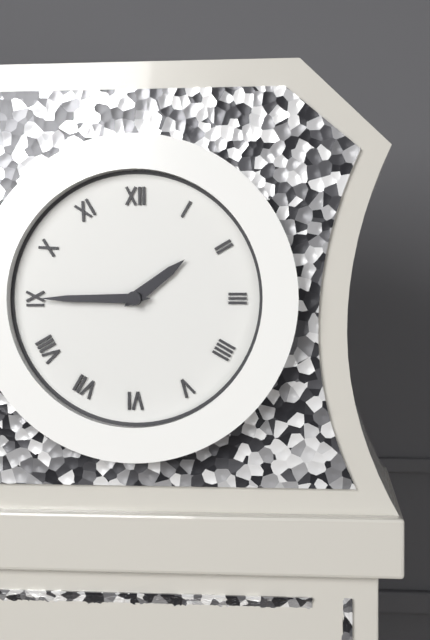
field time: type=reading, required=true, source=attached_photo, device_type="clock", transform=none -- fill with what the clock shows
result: 1:45
